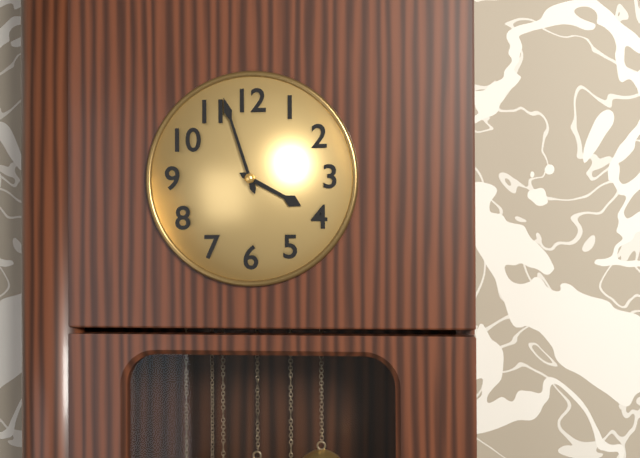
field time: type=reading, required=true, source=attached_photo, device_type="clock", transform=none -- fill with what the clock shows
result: 3:57
